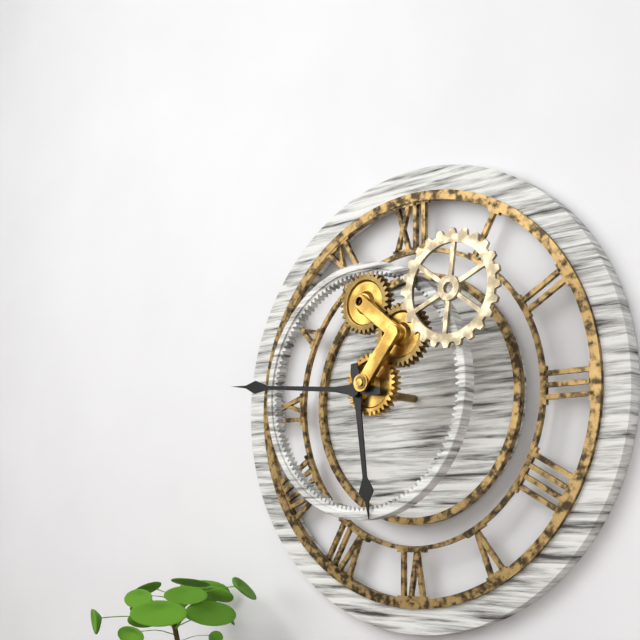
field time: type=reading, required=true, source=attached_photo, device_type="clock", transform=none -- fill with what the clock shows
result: 5:46
